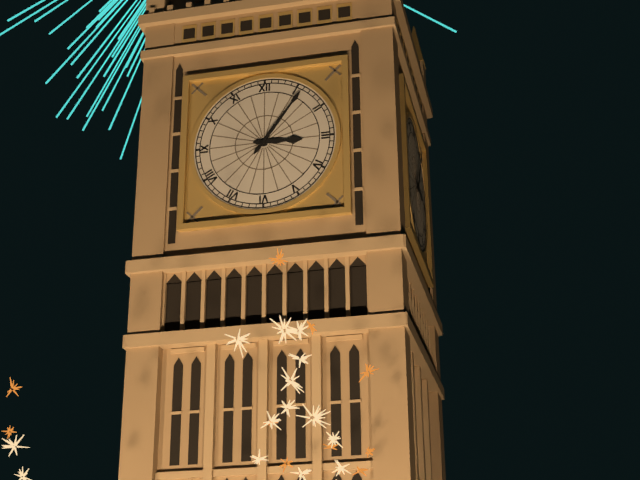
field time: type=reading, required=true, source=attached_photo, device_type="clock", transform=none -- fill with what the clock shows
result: 3:06
